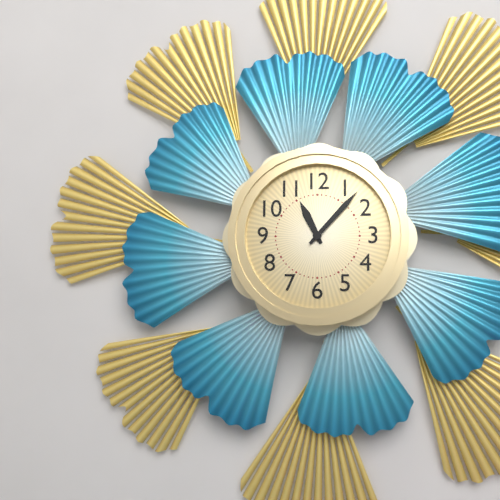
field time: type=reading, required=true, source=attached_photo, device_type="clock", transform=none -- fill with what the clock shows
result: 11:07
